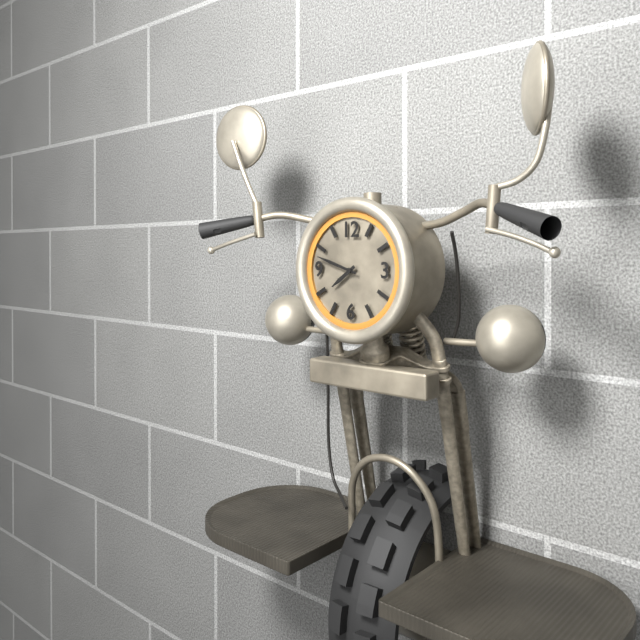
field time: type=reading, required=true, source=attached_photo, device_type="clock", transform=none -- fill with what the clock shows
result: 7:48
